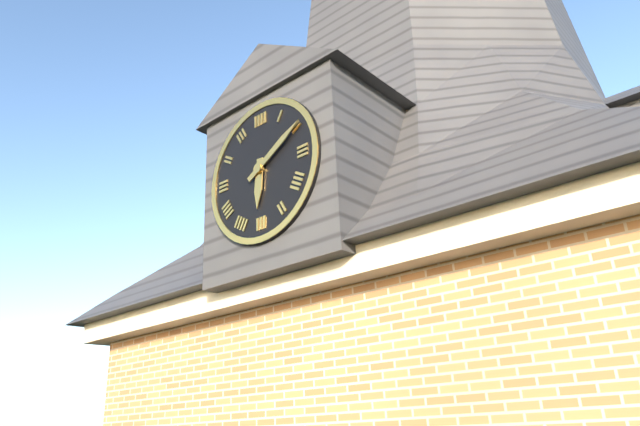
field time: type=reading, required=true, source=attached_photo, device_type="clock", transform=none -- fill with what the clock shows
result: 6:10
